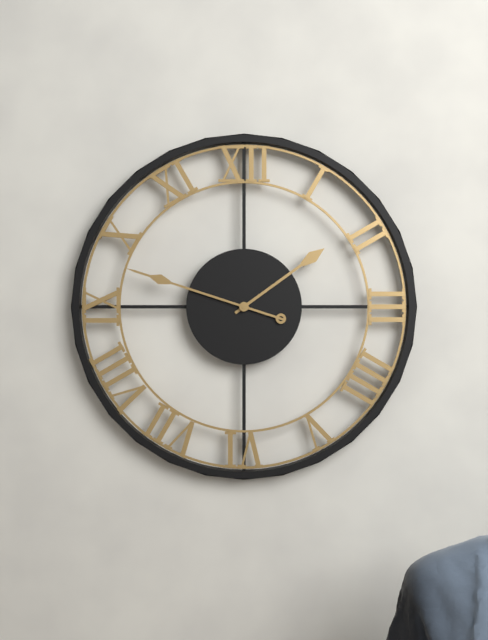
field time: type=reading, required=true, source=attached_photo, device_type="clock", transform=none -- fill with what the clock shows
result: 1:48
